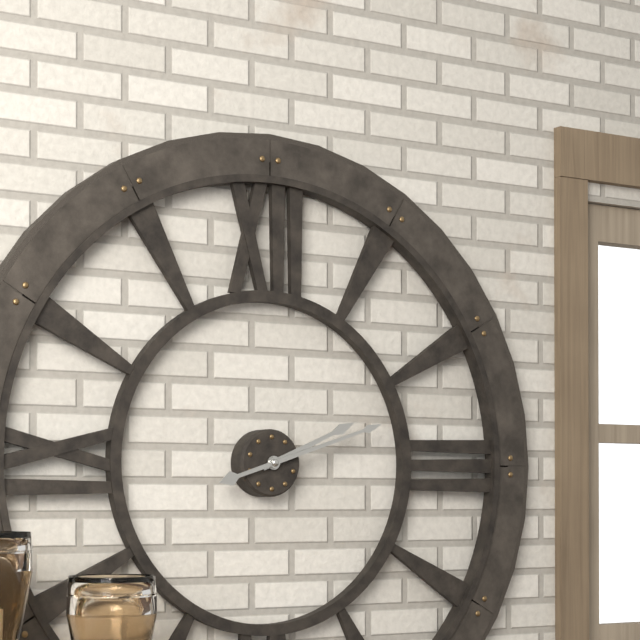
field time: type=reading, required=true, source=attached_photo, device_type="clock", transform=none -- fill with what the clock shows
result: 2:12
